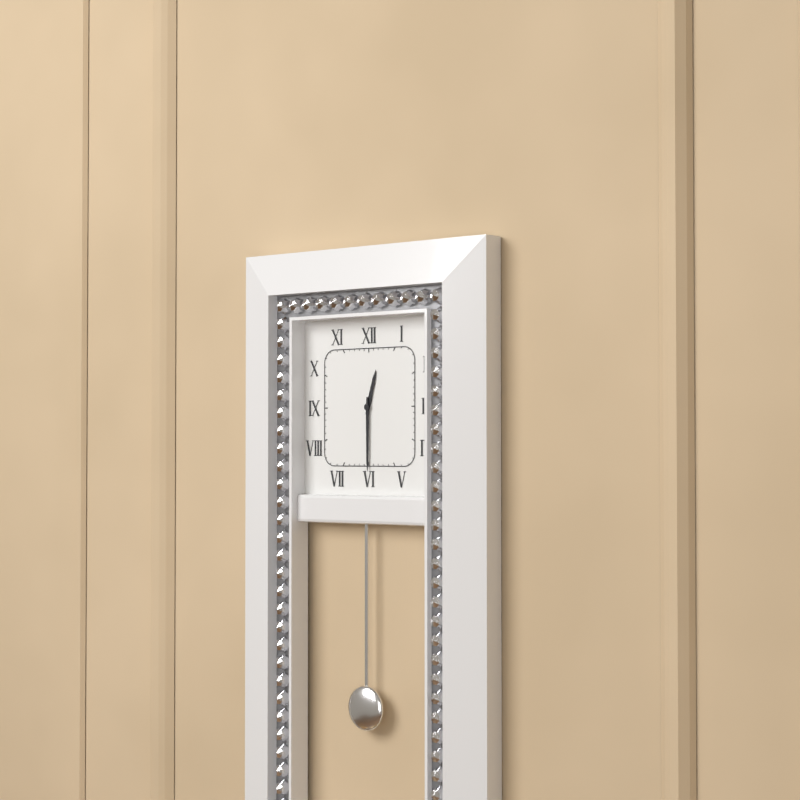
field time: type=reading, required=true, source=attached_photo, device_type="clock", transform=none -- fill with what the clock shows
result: 12:30
